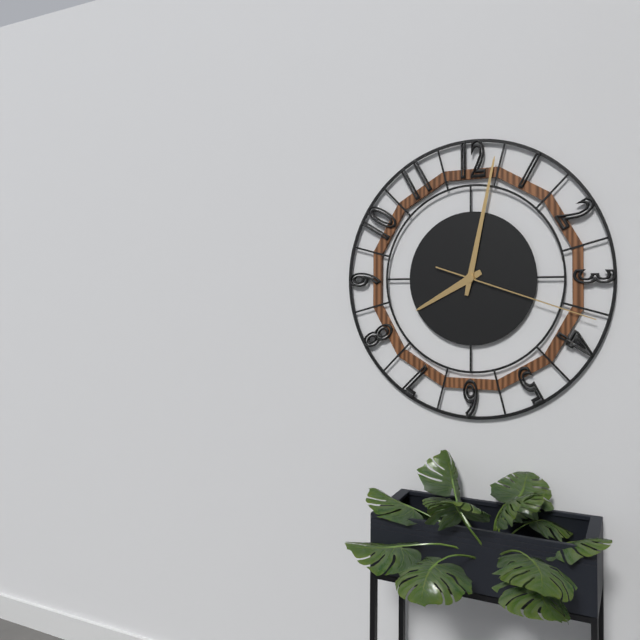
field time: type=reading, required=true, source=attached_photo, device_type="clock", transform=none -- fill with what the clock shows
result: 8:02:18
